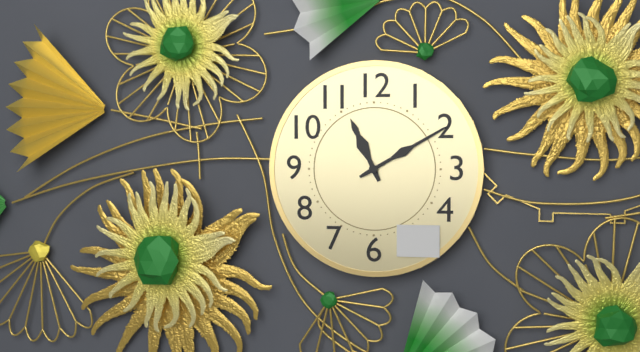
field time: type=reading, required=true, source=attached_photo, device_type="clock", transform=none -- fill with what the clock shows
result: 11:10
